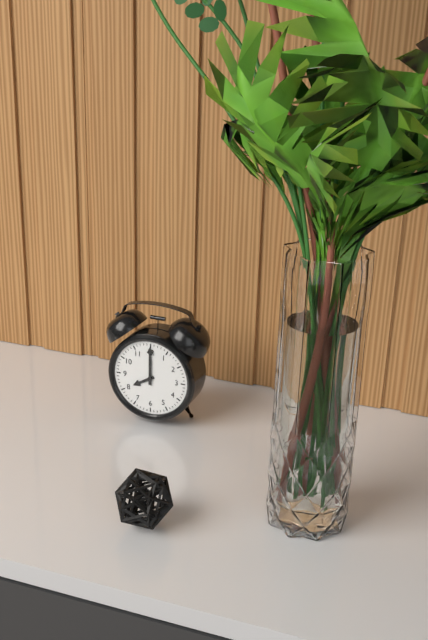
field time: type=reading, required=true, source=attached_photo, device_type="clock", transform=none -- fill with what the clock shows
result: 8:00
